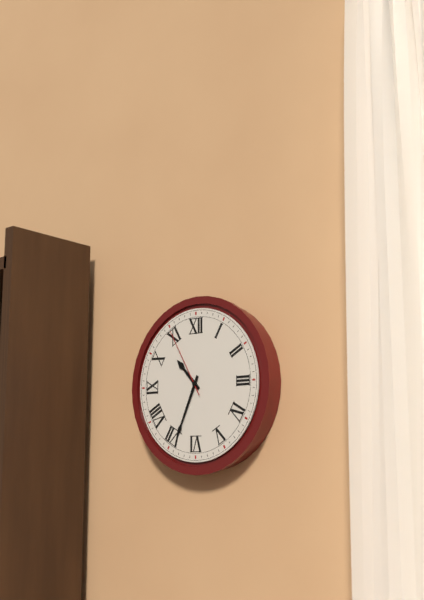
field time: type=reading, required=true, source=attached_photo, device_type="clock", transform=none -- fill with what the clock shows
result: 10:34:55
